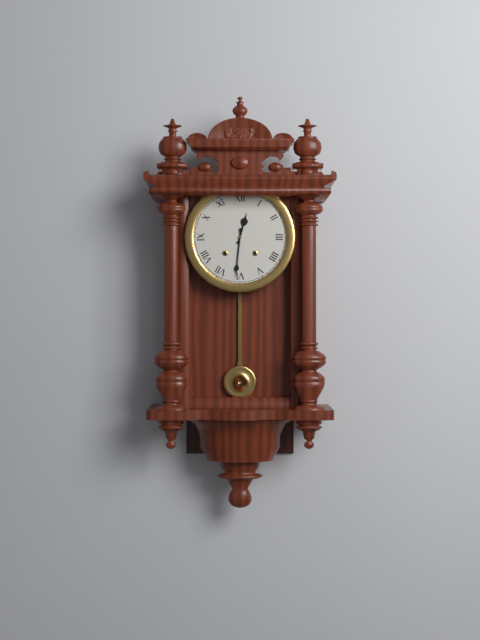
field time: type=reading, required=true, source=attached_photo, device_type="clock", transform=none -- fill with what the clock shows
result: 12:31
